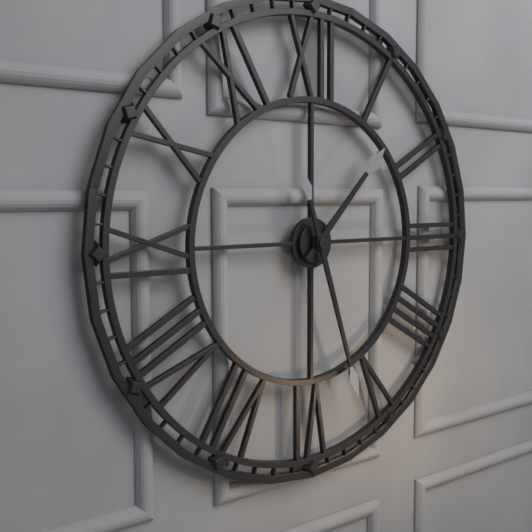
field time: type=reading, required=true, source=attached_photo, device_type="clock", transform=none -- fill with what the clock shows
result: 1:27
